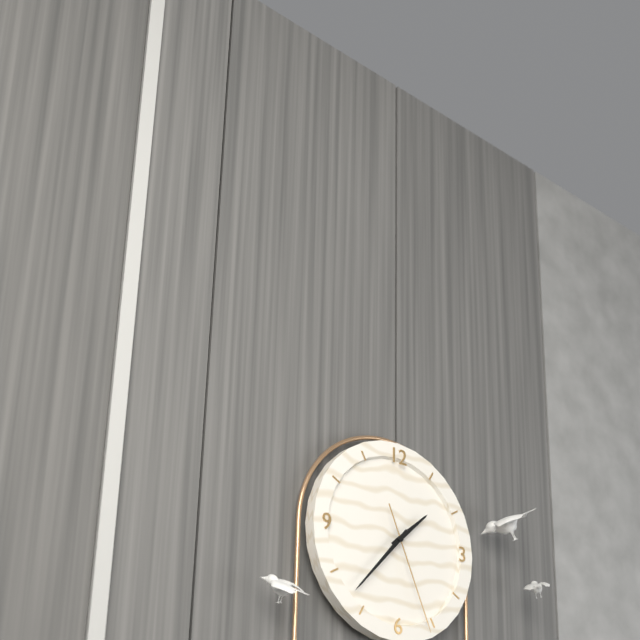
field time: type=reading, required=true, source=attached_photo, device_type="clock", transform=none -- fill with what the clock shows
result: 1:37:26
